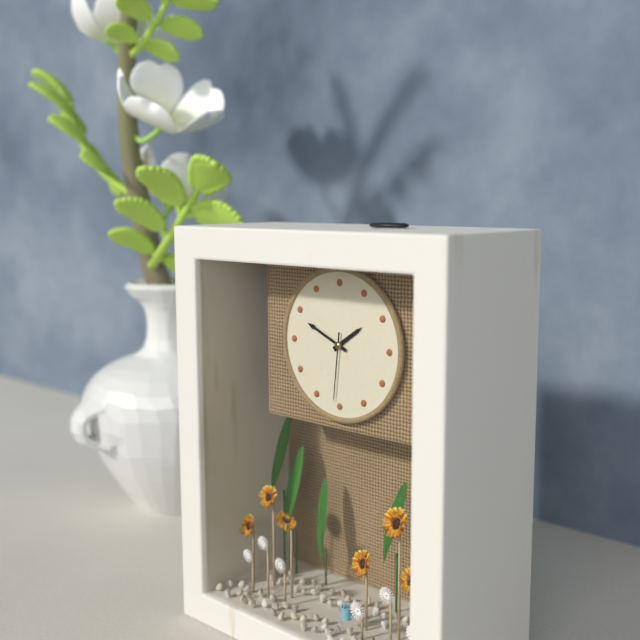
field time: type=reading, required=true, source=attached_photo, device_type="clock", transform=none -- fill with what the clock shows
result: 1:49:31
